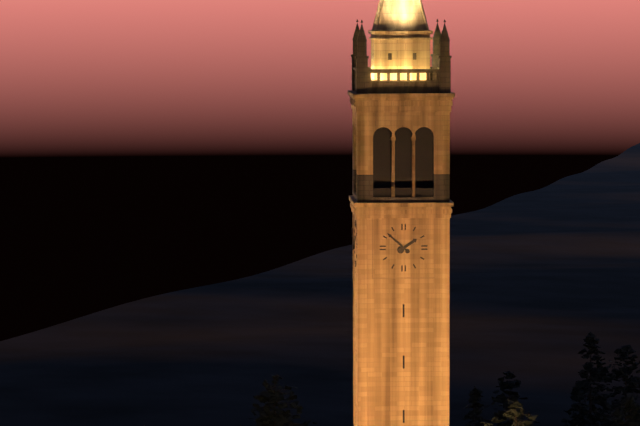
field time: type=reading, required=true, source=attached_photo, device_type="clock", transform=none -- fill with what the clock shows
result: 1:52
